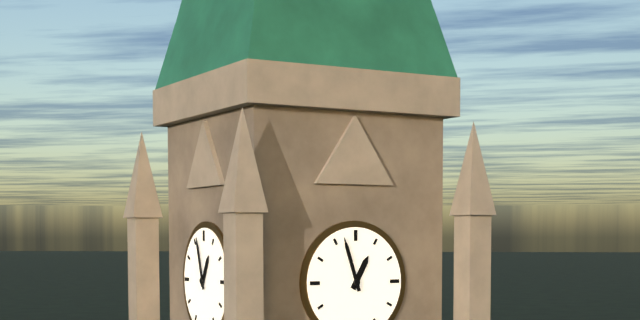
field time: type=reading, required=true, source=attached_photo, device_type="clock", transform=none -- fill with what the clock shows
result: 12:57
